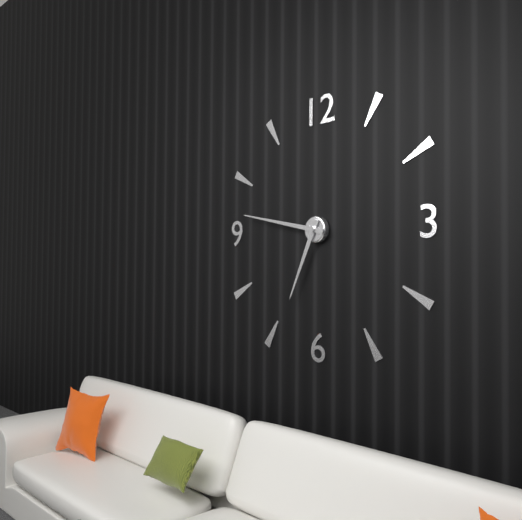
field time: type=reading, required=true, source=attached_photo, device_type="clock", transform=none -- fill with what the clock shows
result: 6:47
